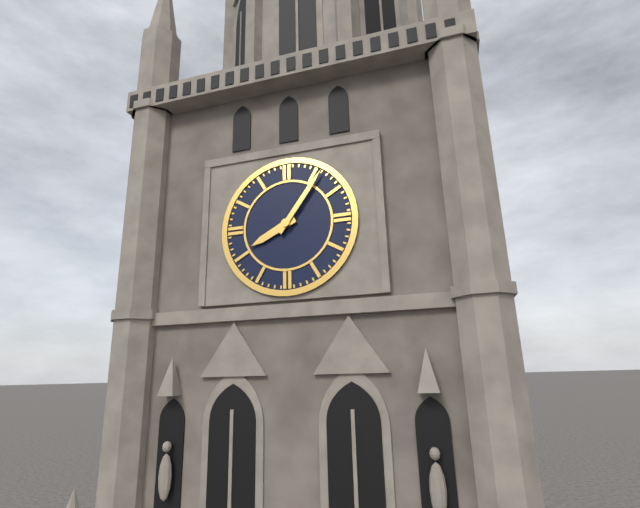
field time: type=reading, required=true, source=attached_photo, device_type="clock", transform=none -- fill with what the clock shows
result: 8:06
